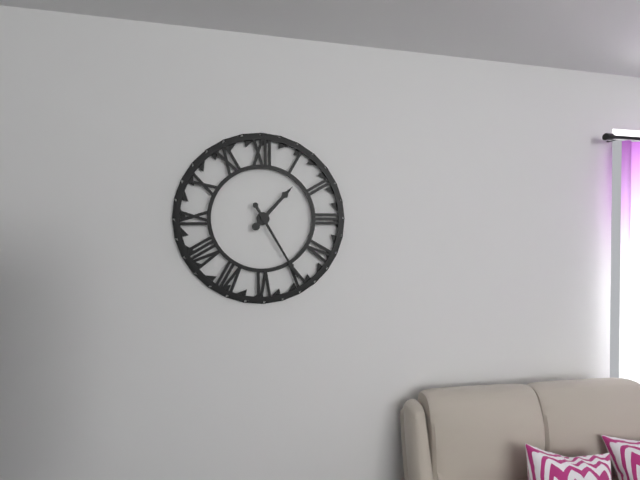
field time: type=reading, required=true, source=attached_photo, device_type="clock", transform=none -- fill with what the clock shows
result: 1:25
